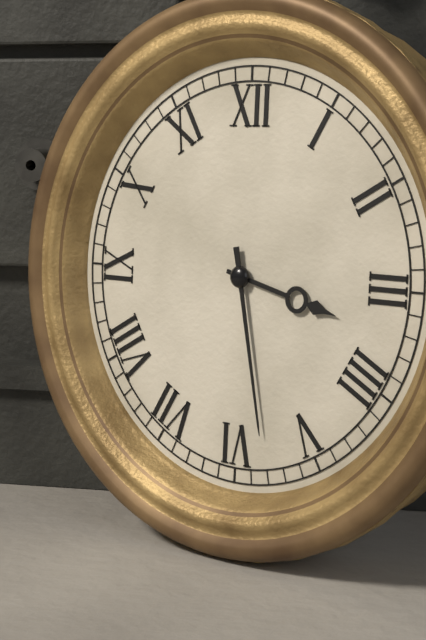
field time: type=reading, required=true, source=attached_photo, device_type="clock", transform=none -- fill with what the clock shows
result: 3:28
